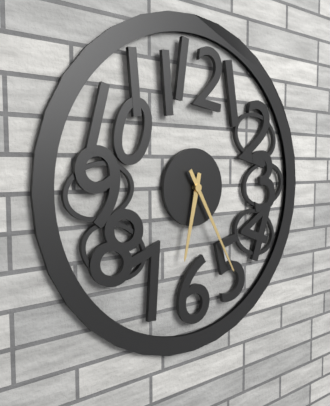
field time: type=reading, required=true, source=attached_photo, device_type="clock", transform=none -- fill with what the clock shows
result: 6:25
